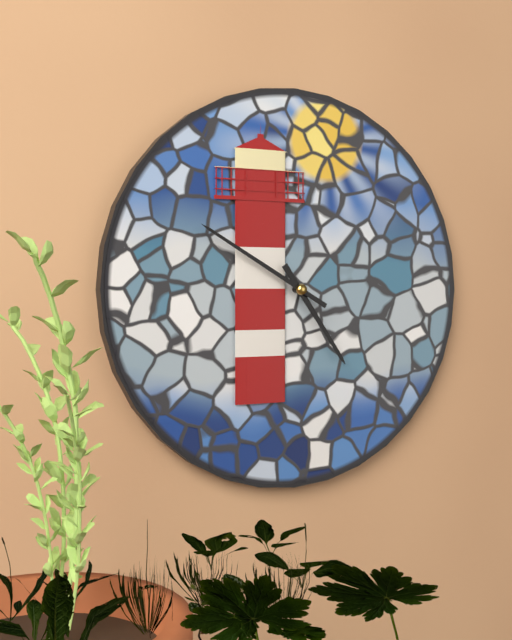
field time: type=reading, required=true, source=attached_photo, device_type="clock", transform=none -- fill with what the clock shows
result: 4:50
